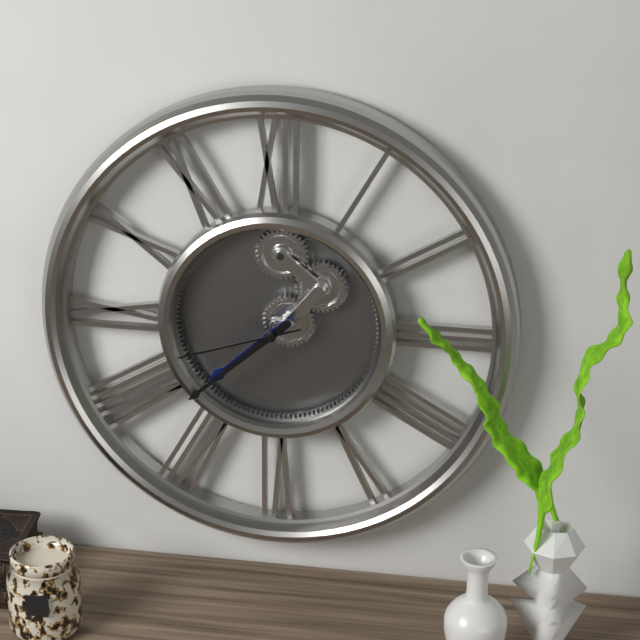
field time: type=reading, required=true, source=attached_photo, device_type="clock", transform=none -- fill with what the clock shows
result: 7:38:42
